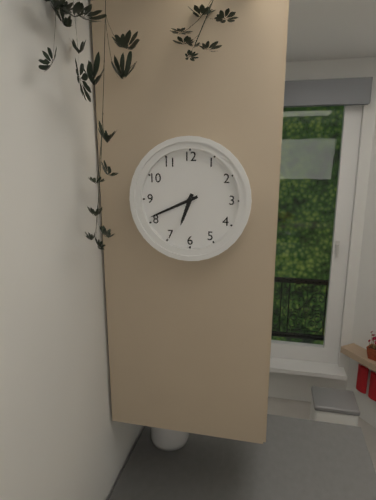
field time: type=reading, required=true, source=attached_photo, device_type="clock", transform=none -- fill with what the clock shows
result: 6:41
